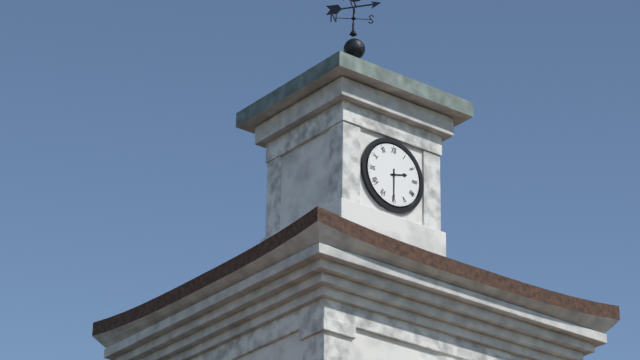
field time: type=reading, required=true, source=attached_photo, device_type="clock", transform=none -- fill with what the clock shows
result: 2:30
